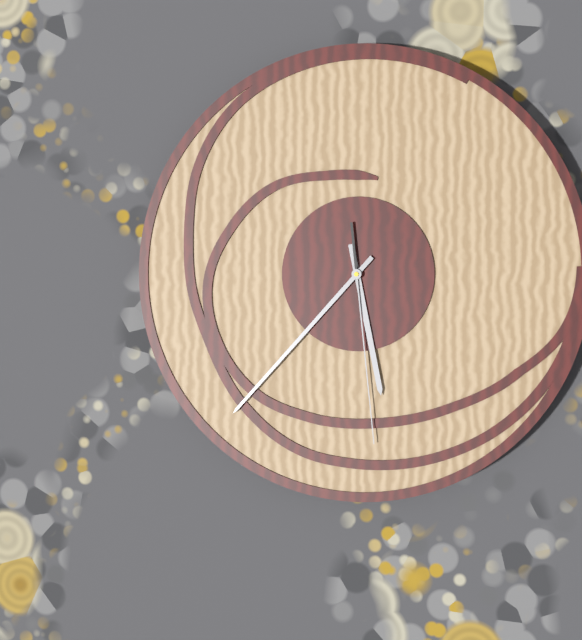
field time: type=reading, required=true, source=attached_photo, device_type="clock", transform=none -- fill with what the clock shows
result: 5:37:29
